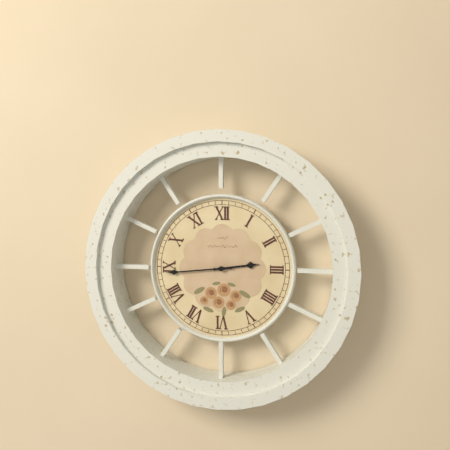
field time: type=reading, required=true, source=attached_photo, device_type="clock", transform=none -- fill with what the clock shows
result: 2:44
